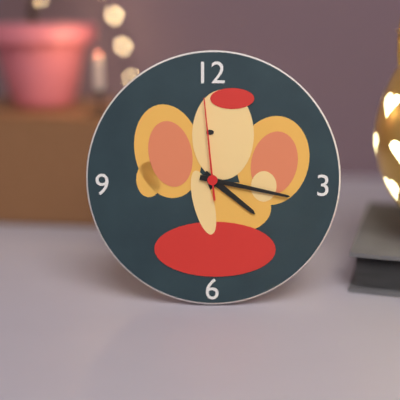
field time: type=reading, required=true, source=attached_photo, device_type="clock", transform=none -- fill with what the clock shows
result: 4:17:59
